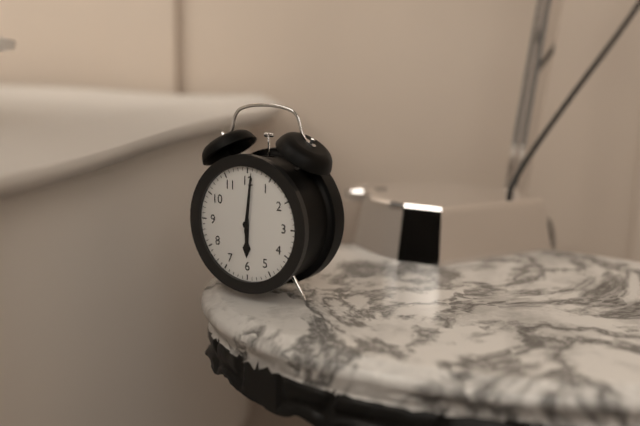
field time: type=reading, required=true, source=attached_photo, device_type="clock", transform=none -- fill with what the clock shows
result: 6:01
